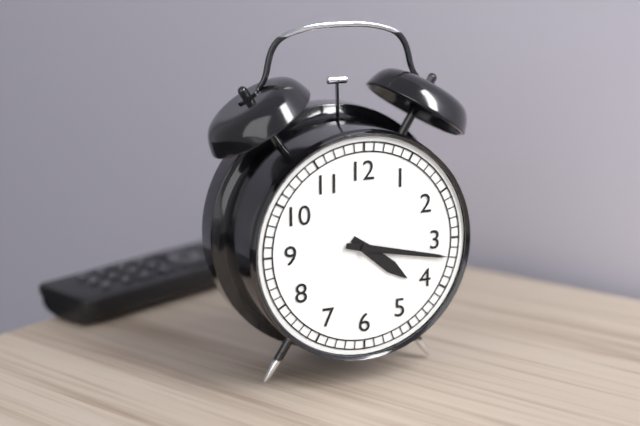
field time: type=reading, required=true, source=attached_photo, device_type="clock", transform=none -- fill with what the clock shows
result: 4:17
